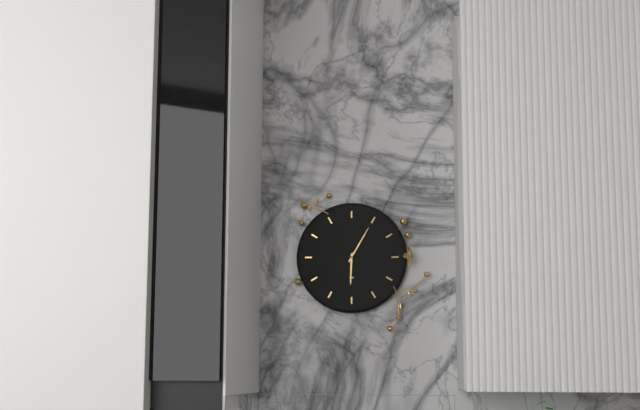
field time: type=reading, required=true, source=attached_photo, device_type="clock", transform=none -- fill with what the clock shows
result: 6:05
